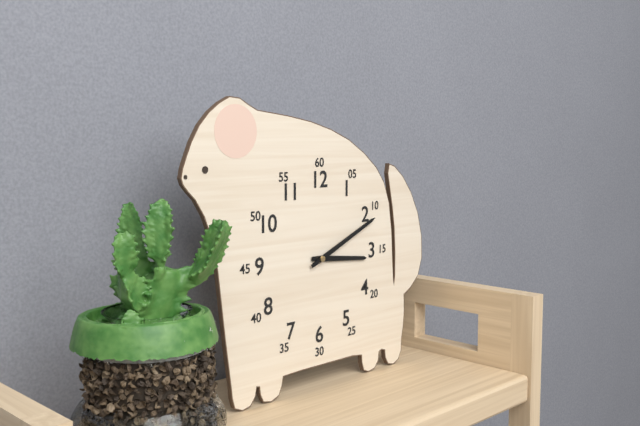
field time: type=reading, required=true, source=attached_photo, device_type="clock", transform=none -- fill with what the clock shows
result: 3:11
